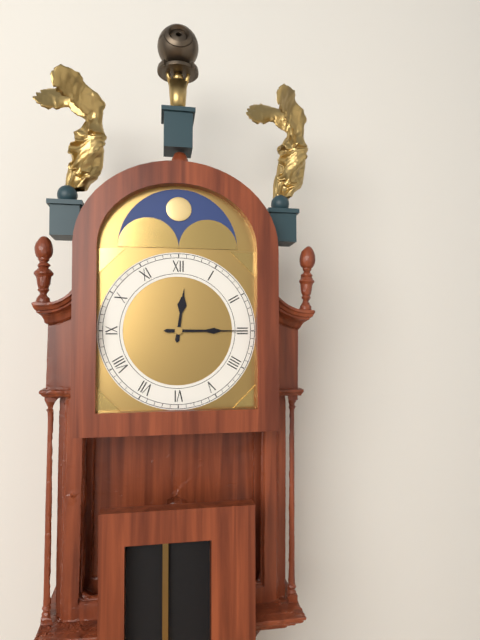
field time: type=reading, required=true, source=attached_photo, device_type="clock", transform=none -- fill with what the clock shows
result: 12:15
